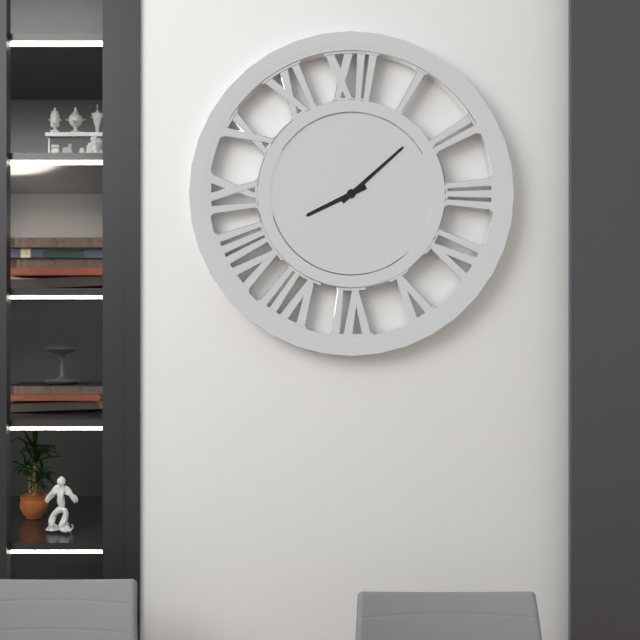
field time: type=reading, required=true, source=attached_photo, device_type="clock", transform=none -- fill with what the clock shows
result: 8:08
